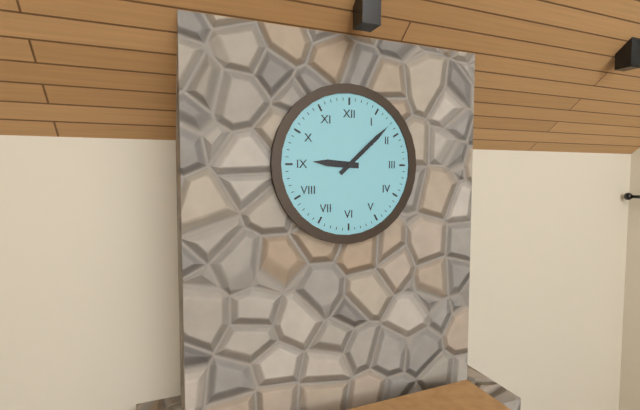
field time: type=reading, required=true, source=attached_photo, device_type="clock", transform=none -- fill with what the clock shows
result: 9:08
